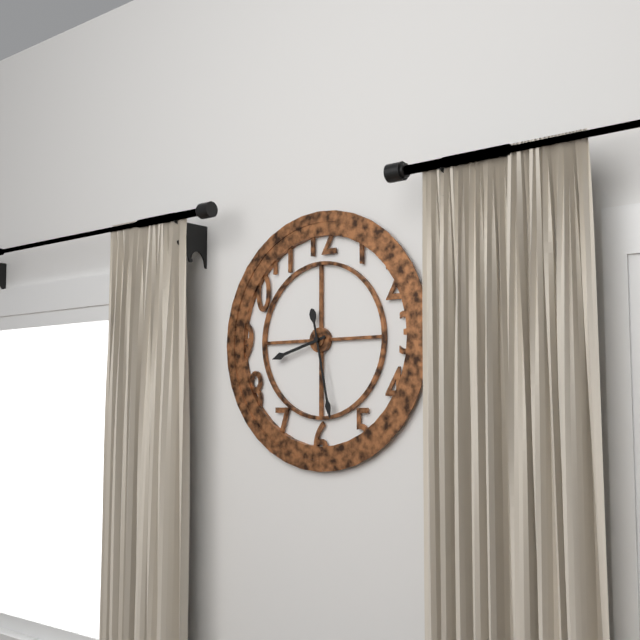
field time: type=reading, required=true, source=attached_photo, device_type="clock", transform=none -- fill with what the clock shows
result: 8:28
